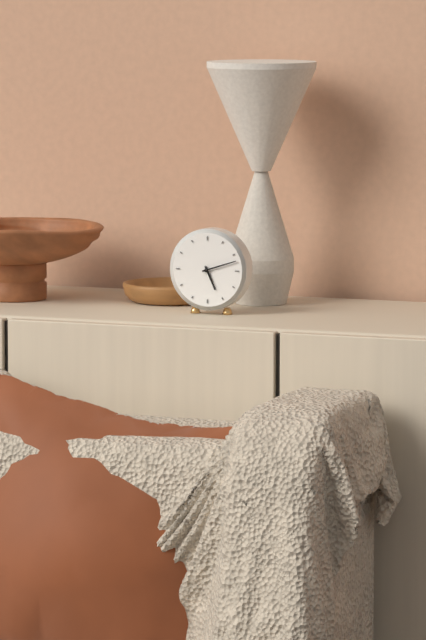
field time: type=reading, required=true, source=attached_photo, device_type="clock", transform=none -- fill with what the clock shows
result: 5:12
